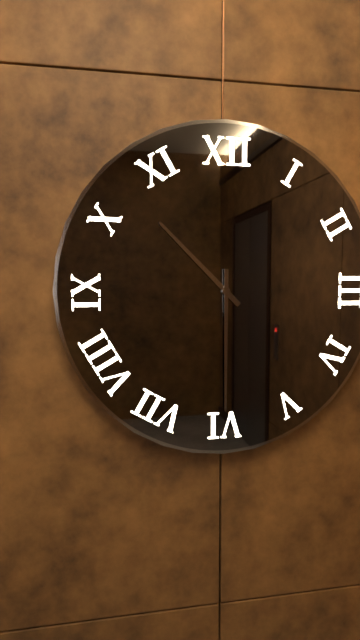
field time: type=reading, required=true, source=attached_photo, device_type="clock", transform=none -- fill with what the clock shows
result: 10:30
